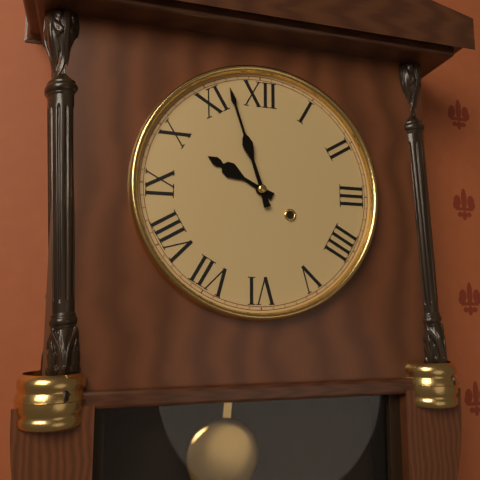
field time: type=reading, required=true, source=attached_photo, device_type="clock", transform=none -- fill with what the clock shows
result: 9:57
